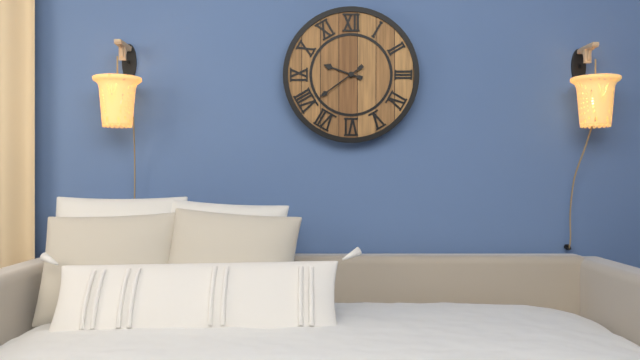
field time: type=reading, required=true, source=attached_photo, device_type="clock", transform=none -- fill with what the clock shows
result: 9:39
